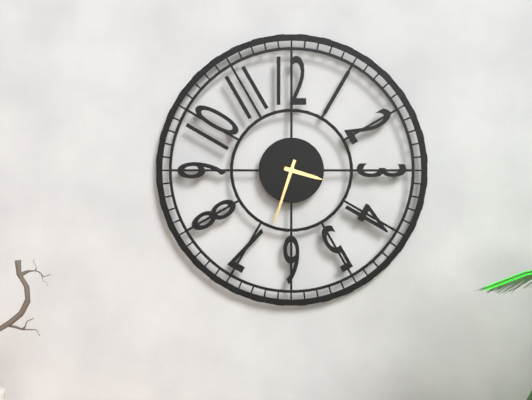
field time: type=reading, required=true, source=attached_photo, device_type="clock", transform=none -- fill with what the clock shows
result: 3:33
